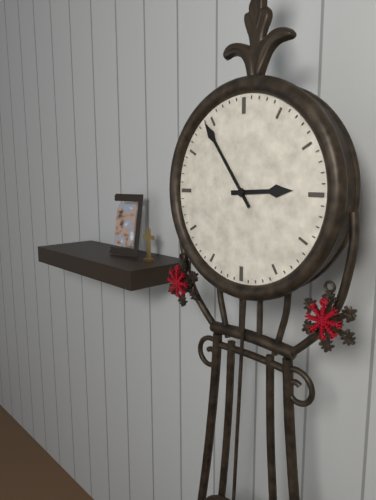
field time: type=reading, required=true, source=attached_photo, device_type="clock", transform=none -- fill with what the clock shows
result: 2:54
